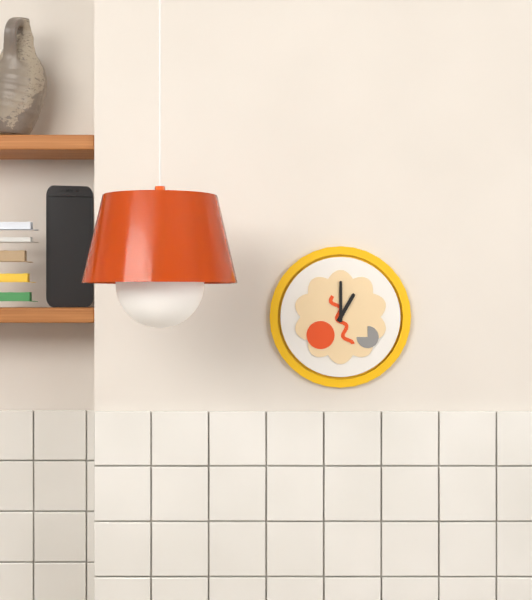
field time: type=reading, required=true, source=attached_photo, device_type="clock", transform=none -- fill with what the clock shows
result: 1:00
